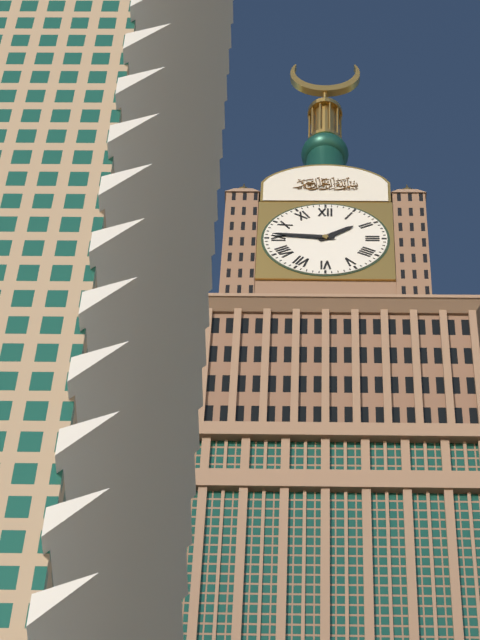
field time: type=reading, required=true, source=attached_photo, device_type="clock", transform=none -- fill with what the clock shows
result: 1:46
